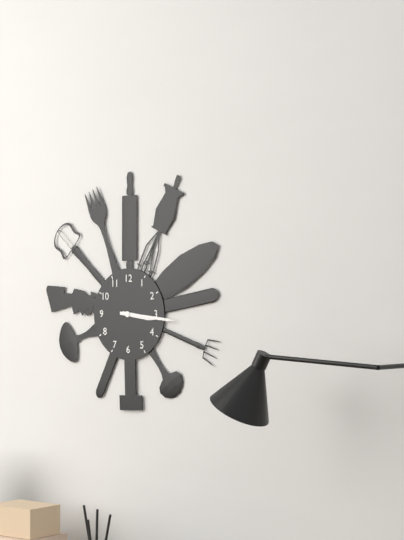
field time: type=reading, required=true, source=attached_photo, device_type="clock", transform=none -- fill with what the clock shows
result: 3:16
